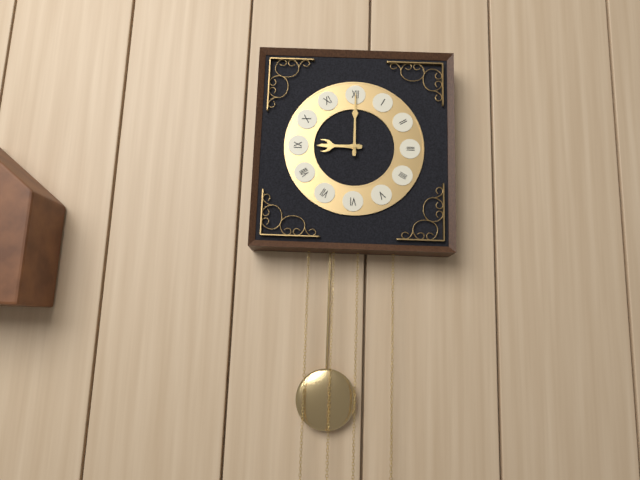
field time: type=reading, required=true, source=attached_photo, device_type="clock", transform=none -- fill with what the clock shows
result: 9:00
